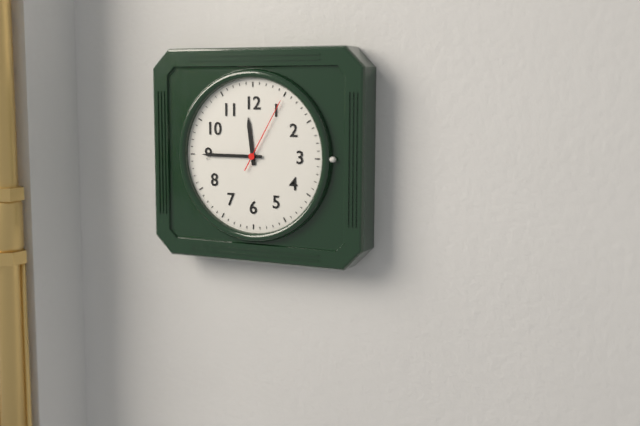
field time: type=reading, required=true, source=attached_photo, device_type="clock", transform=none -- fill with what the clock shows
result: 11:45:05
